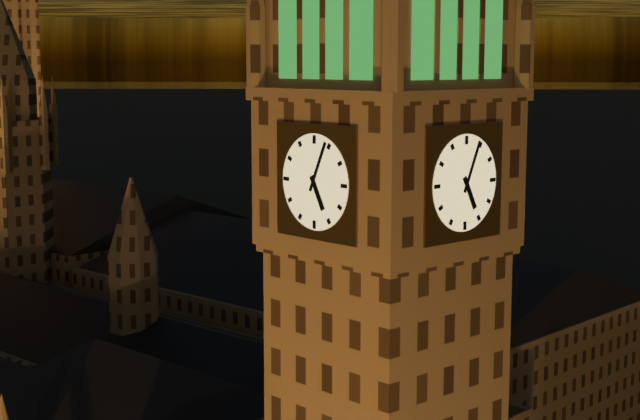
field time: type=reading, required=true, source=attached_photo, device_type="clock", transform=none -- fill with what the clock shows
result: 5:04
